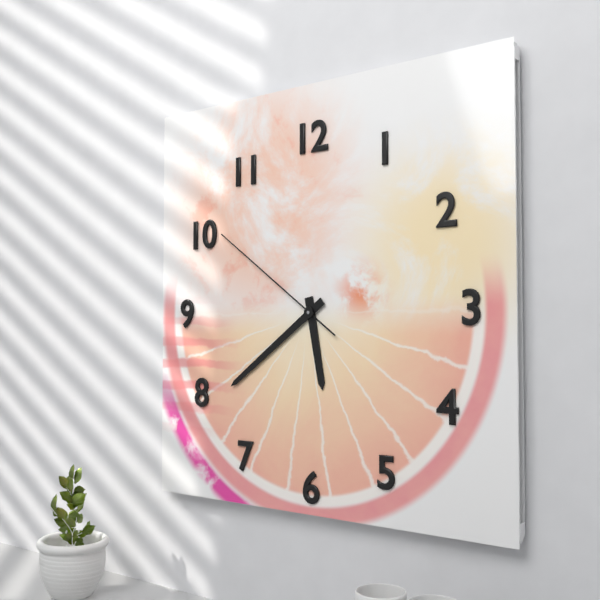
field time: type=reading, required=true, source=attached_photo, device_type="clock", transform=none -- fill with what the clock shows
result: 5:39:51
